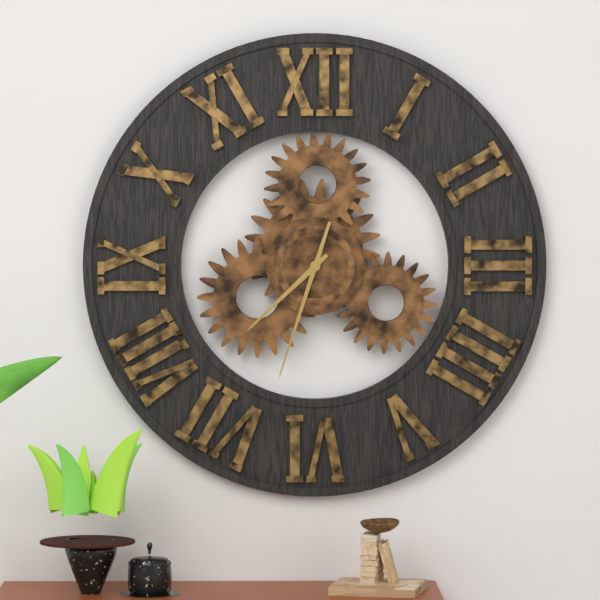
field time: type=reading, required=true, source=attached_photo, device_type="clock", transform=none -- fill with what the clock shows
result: 7:33
